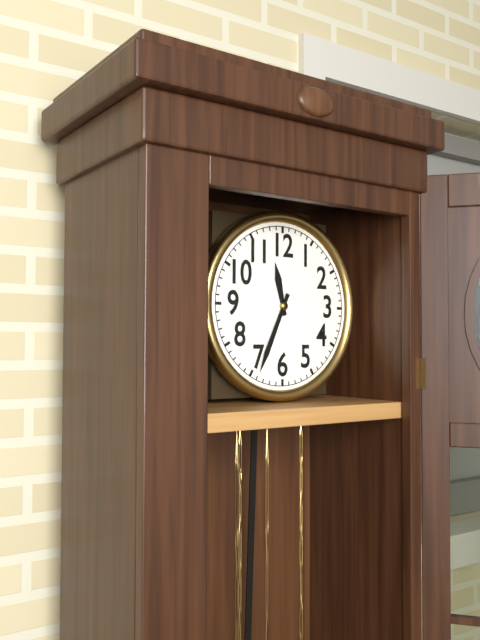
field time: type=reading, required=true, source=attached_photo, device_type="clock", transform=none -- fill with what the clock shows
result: 11:34
